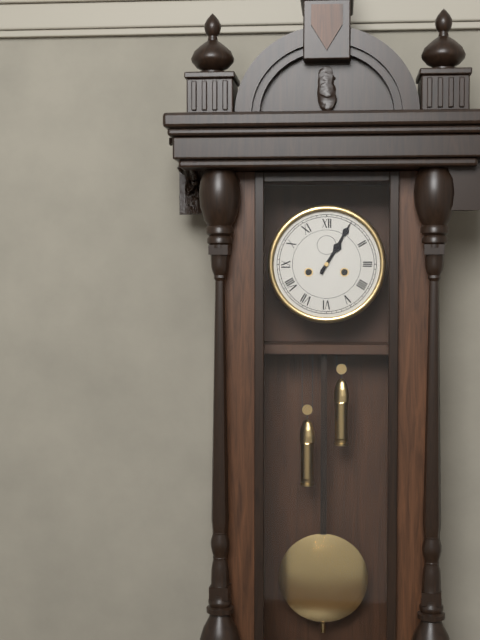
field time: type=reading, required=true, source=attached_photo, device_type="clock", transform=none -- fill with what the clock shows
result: 1:05
